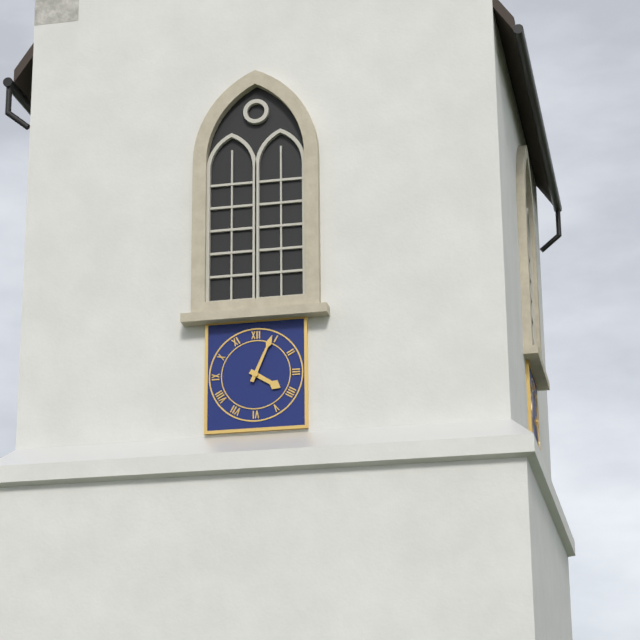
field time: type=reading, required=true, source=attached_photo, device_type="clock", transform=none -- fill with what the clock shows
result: 4:04
